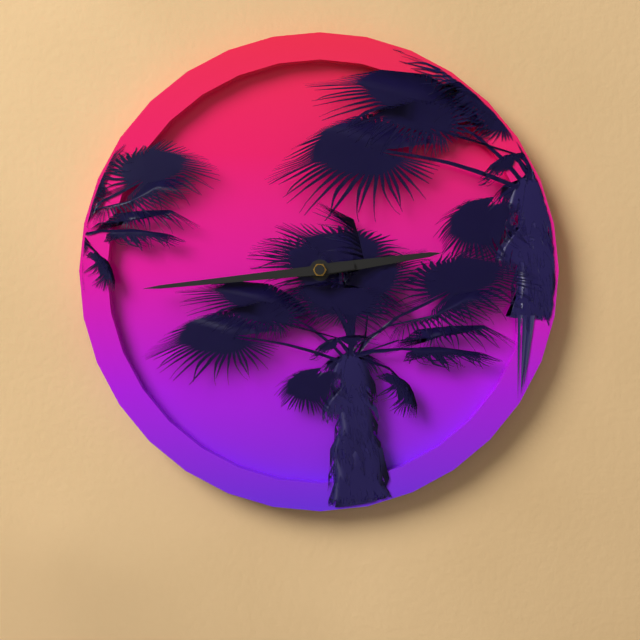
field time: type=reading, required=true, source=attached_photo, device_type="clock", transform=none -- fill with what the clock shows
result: 2:44
